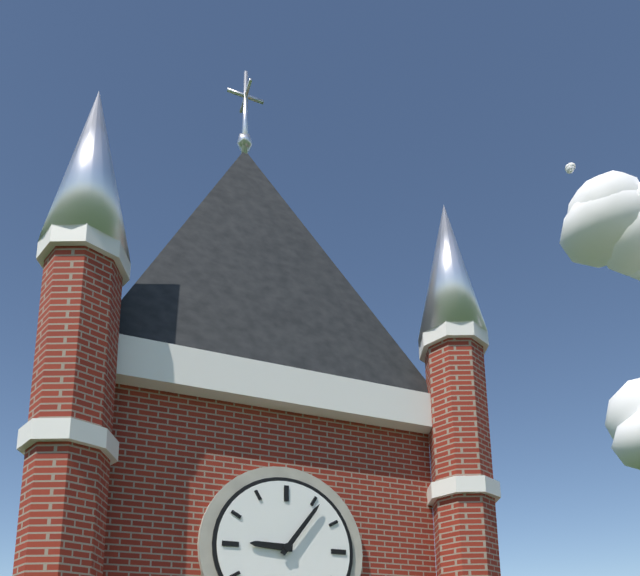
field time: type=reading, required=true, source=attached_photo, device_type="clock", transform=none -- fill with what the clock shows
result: 9:06
